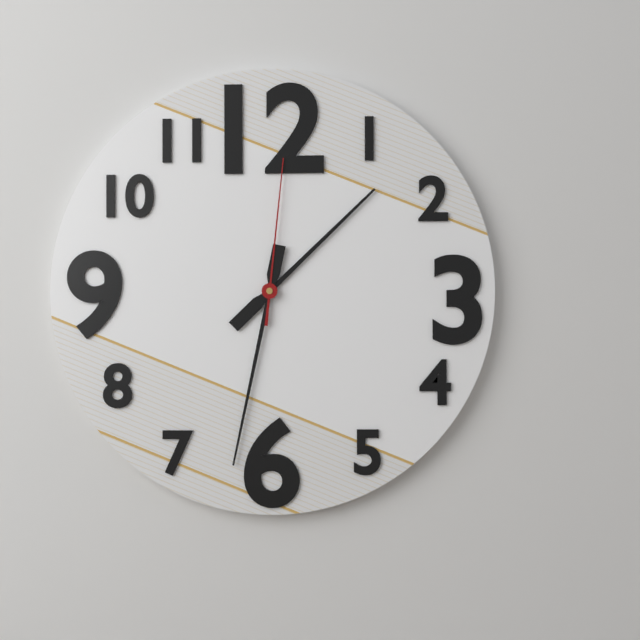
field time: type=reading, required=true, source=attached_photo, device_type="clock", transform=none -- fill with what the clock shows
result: 1:32:01
